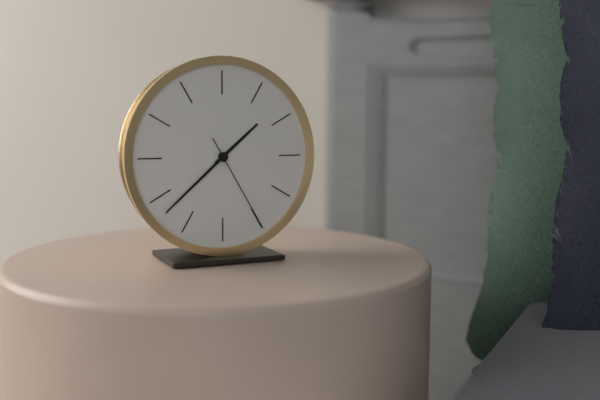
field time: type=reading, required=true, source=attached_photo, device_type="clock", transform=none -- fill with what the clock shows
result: 1:38:25
